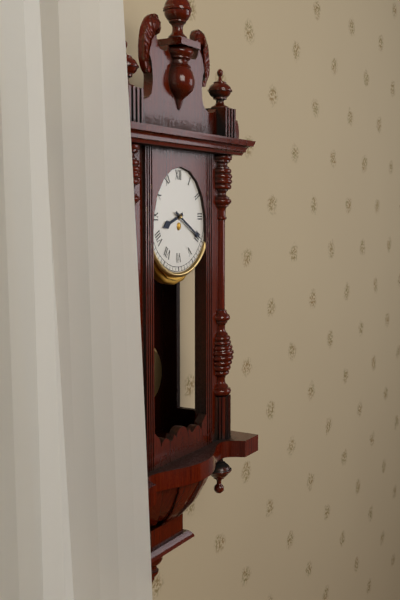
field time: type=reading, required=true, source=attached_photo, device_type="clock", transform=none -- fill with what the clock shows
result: 8:20
